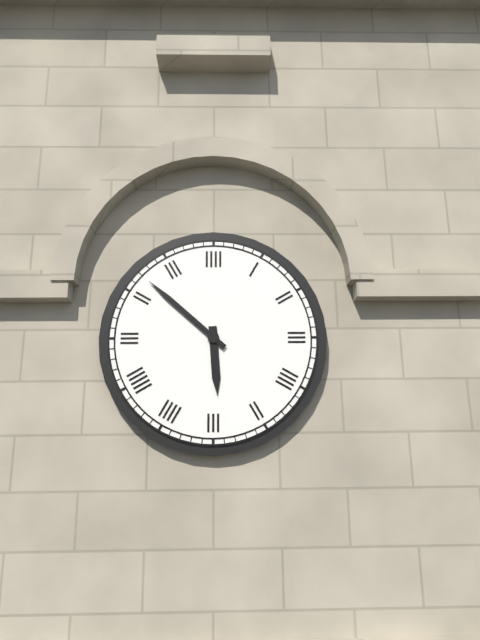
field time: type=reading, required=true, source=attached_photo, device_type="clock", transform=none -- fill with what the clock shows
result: 5:52
